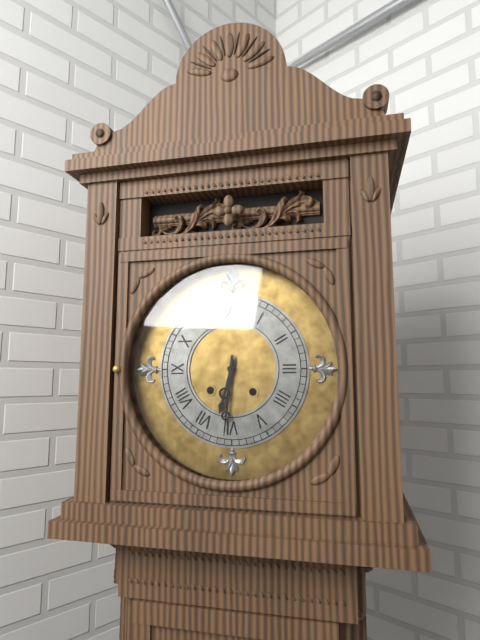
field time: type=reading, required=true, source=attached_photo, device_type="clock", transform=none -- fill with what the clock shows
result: 6:31
